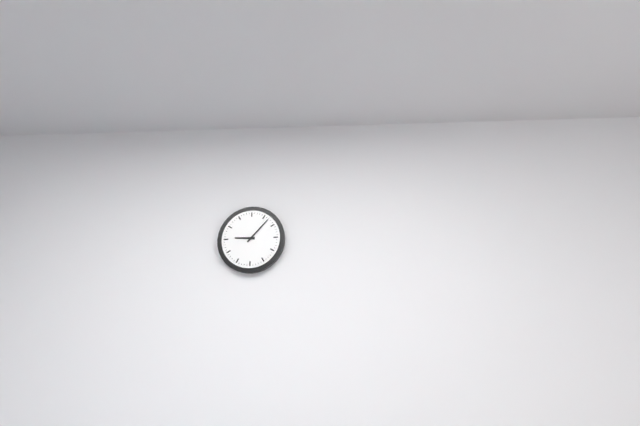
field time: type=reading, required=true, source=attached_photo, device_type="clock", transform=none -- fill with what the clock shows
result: 9:07
